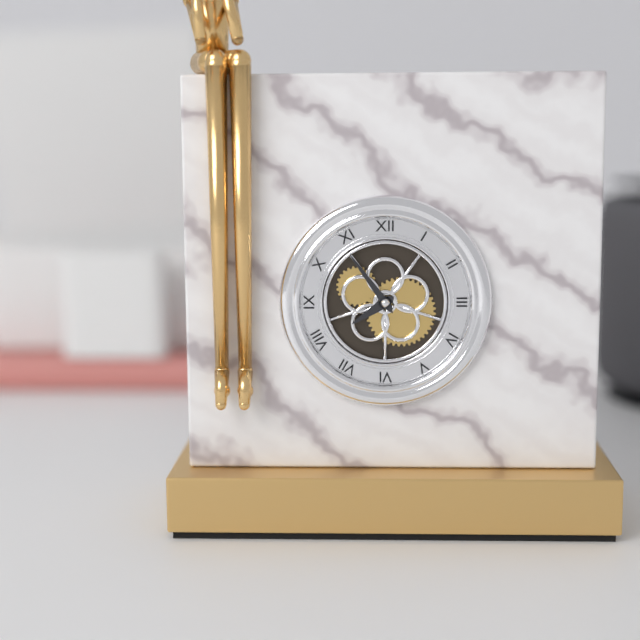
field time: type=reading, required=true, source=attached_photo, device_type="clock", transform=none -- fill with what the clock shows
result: 7:54
